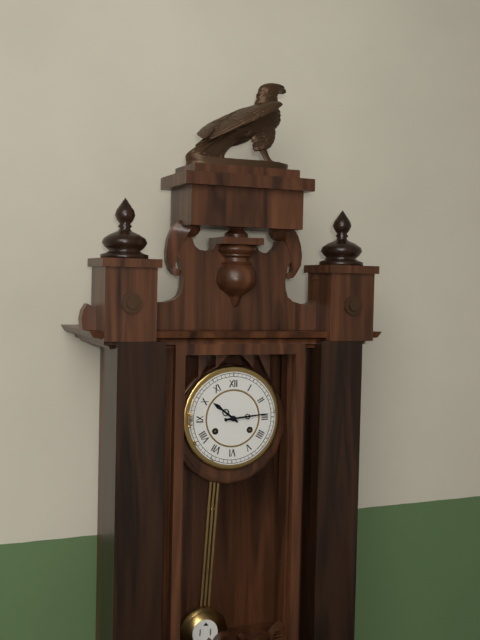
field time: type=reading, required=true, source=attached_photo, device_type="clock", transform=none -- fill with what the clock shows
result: 10:14
